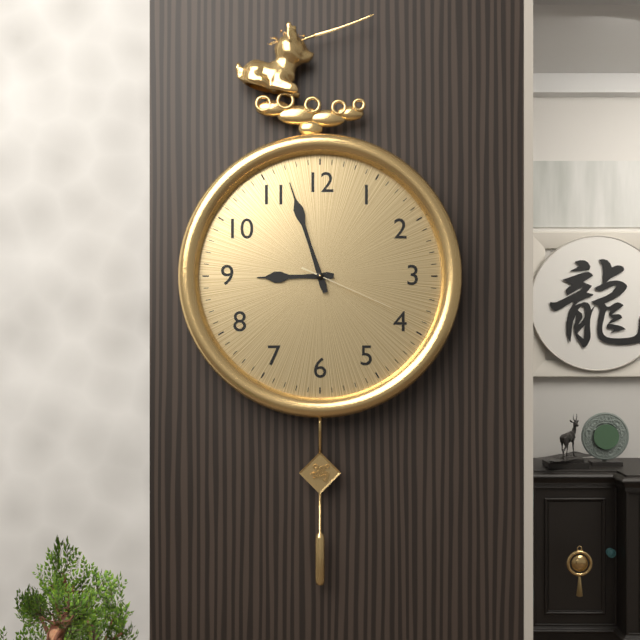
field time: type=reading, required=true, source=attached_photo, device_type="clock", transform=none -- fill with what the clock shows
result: 8:57:19
